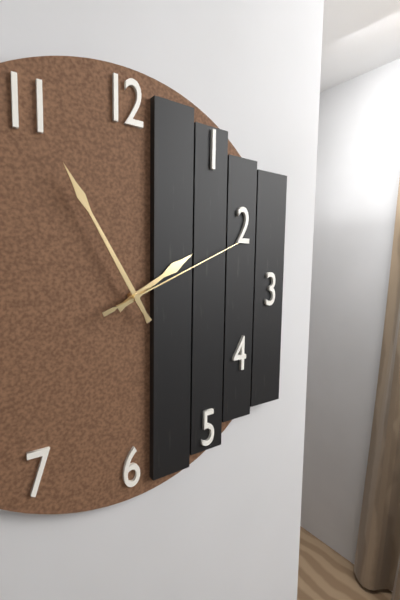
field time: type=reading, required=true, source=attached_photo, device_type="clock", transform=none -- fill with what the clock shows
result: 1:55:11
